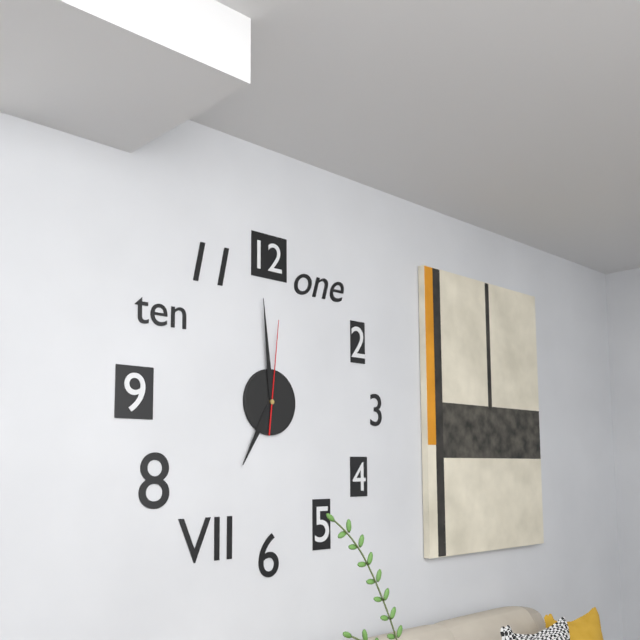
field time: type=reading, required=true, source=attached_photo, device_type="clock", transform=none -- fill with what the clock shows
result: 6:59:01
